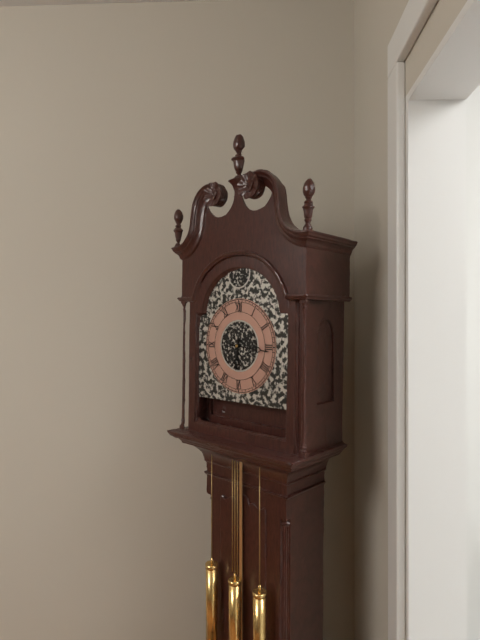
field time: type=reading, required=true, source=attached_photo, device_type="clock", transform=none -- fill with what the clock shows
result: 6:16
